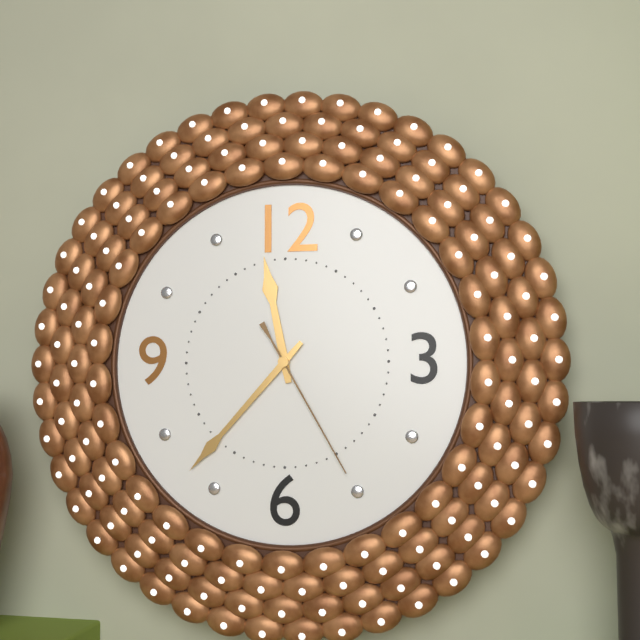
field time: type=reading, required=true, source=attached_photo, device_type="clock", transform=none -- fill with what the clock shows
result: 11:37:25
